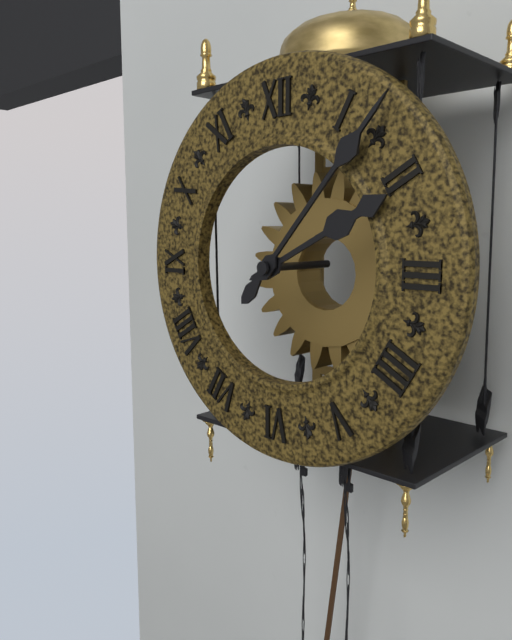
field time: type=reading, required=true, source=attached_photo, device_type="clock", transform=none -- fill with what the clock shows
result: 2:07
